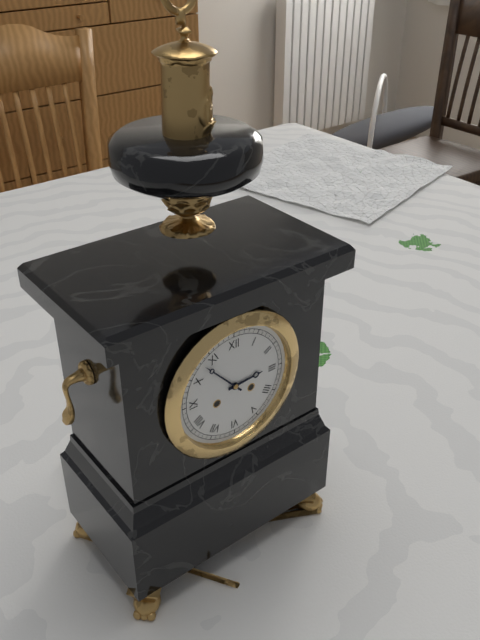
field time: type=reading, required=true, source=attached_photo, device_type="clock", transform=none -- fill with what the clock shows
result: 2:53
